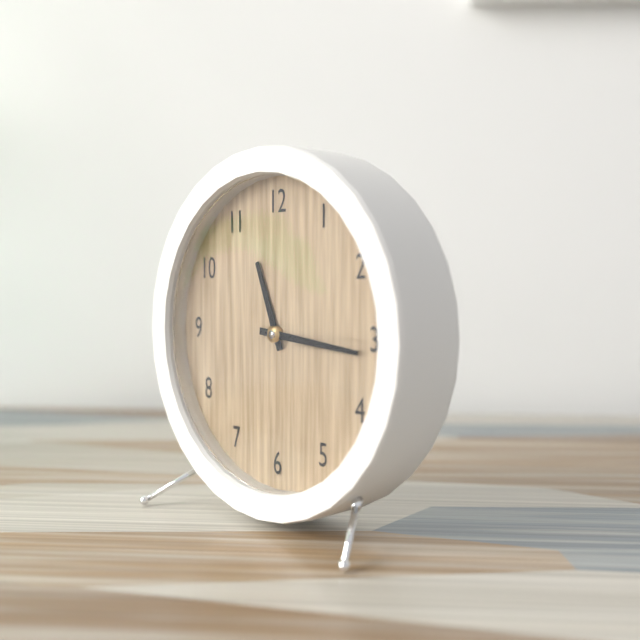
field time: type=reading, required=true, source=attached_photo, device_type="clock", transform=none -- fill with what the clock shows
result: 11:16
